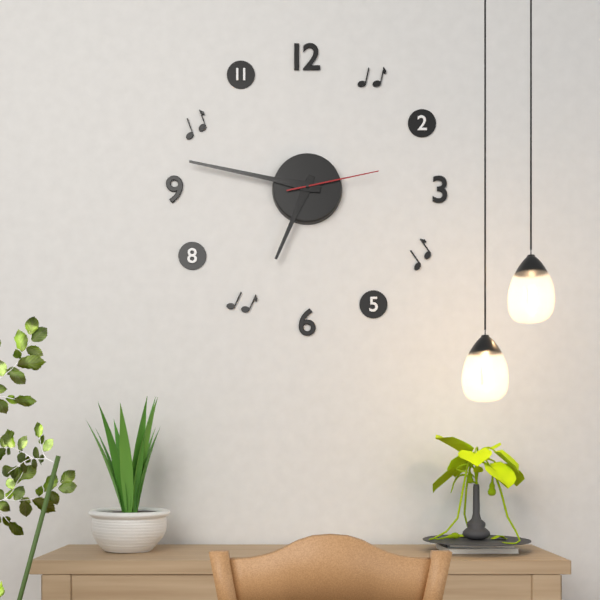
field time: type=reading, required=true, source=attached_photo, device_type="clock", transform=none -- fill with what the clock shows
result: 6:47:13
